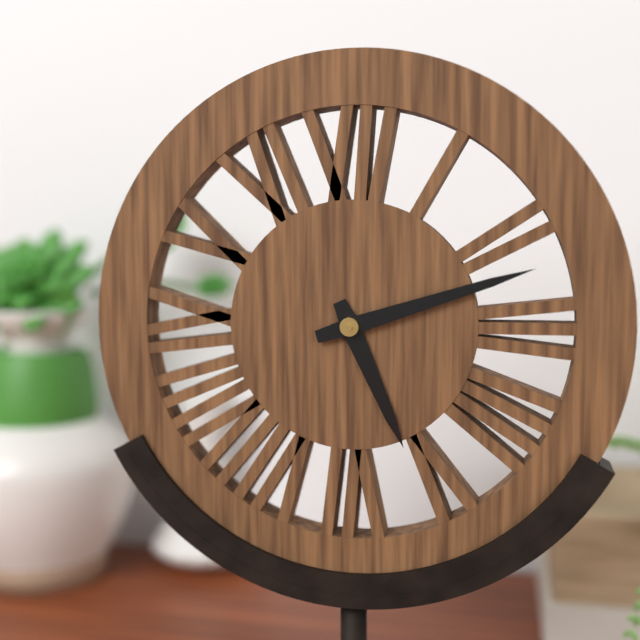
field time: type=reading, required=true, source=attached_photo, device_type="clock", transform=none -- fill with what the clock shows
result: 5:12
